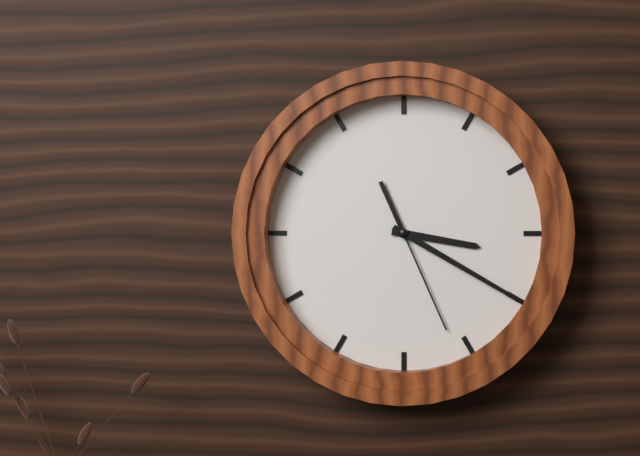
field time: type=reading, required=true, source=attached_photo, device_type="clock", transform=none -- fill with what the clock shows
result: 3:20:26
